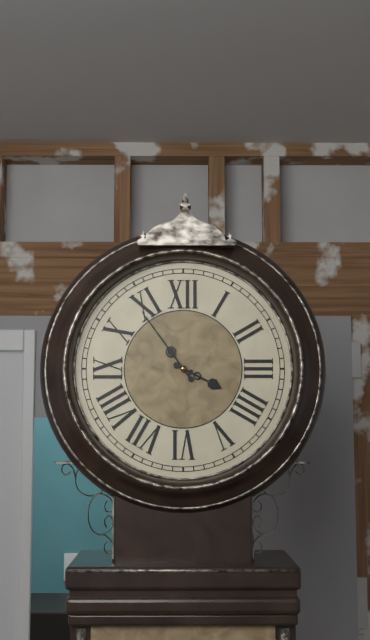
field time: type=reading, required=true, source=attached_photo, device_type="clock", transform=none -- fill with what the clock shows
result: 3:54
